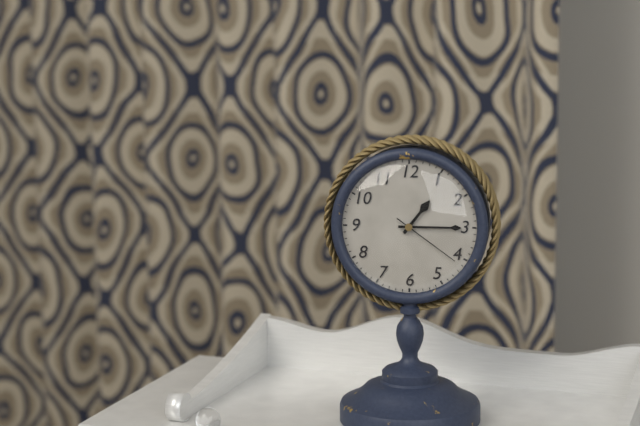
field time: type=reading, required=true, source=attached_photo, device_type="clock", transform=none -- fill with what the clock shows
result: 1:15:21
